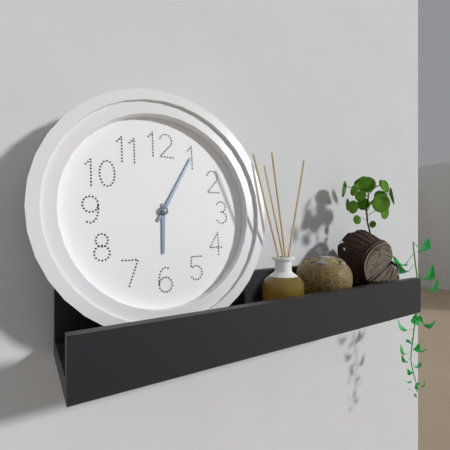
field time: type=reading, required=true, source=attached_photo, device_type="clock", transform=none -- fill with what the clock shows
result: 6:05
